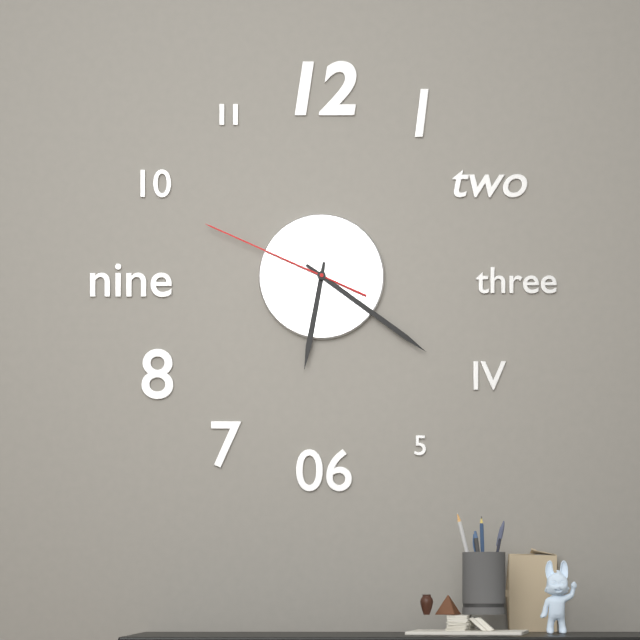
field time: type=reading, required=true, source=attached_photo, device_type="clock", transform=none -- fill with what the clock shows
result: 6:21:49
